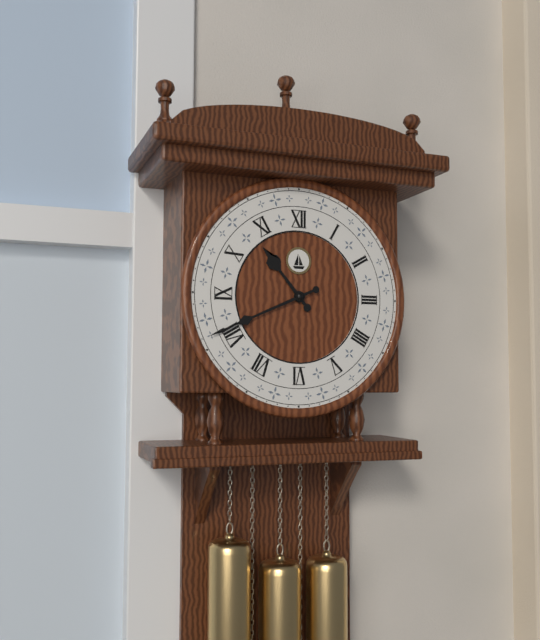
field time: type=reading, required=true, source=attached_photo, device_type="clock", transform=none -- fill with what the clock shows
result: 10:41
